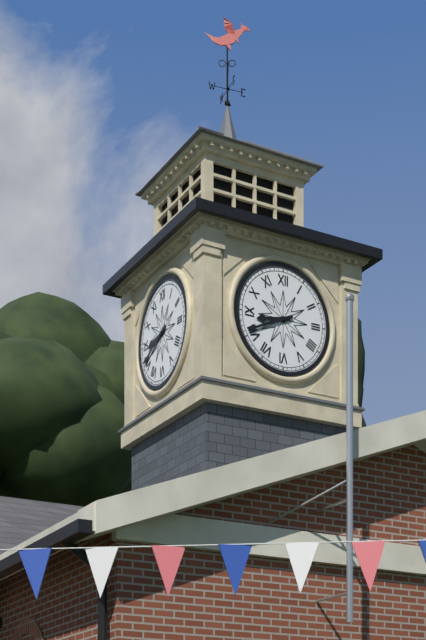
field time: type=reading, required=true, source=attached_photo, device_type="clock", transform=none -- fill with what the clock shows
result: 8:41
